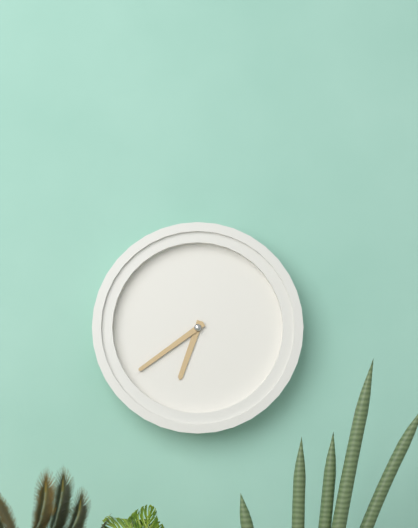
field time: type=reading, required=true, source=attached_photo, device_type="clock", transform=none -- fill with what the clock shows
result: 6:39
